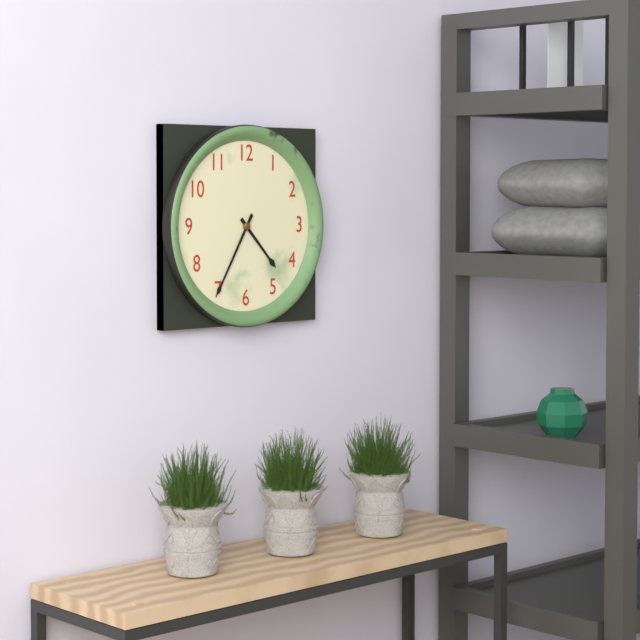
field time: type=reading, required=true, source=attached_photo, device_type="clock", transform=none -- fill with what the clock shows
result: 4:35
